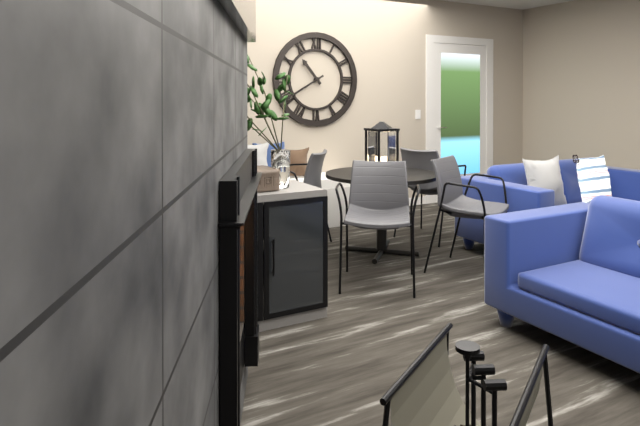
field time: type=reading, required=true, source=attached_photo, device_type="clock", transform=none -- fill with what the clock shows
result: 10:40
